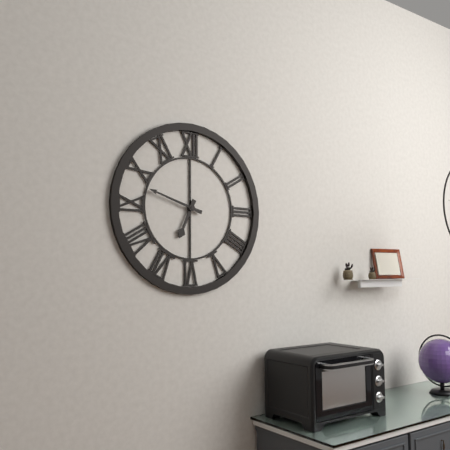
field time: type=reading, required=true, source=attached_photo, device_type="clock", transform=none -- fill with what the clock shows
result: 6:48
